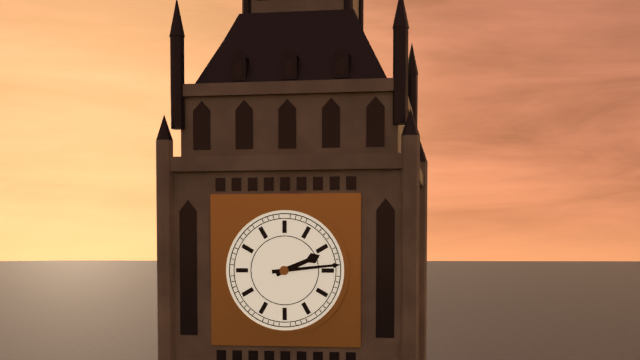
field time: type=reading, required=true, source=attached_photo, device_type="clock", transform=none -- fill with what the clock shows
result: 2:14
